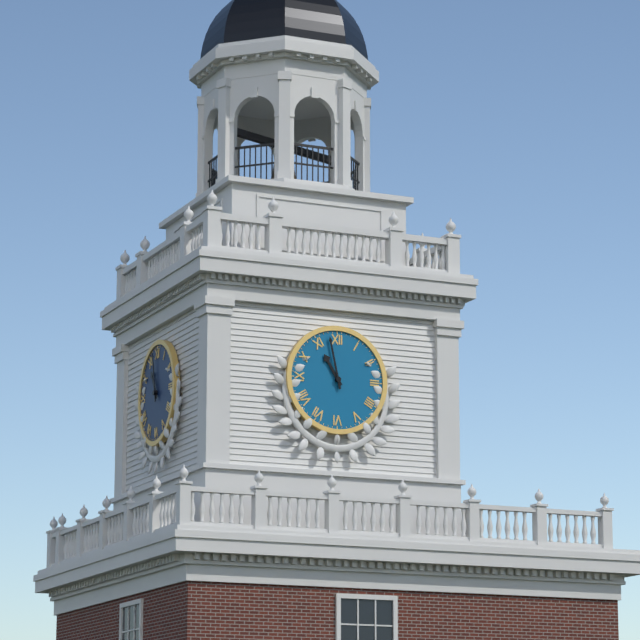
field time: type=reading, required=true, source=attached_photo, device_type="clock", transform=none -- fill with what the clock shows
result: 10:58
